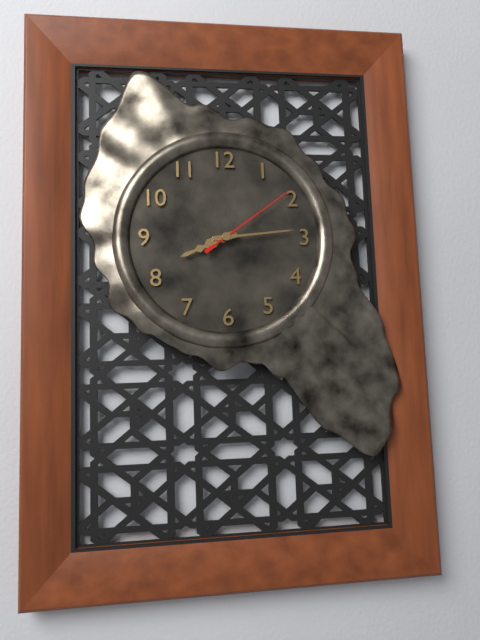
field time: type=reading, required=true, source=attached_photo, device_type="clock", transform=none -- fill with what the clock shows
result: 8:14:09
